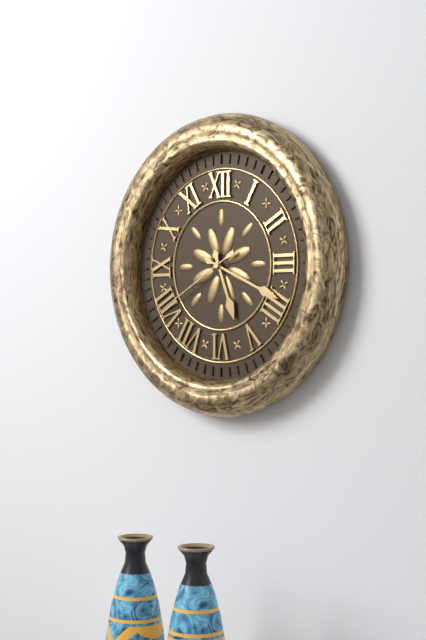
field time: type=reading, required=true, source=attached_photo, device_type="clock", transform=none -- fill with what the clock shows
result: 5:19:40
